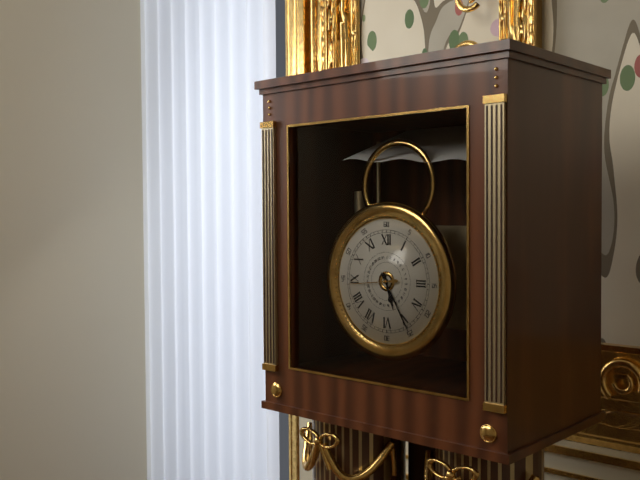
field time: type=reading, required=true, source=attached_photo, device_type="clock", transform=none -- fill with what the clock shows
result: 5:25
